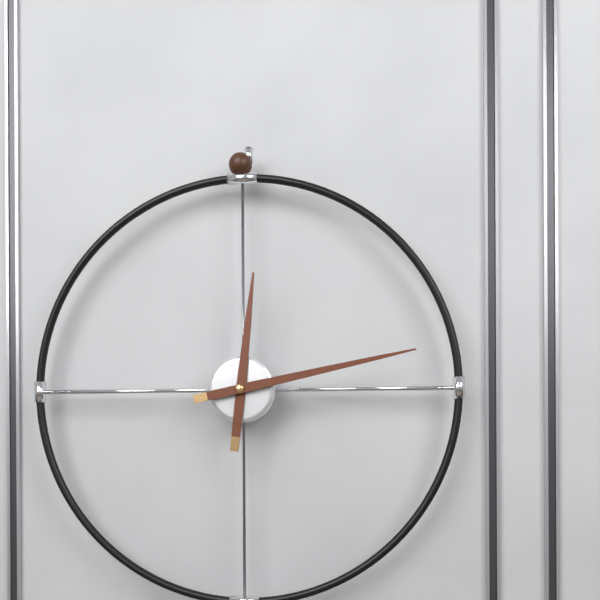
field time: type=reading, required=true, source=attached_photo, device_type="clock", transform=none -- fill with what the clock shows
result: 12:13
